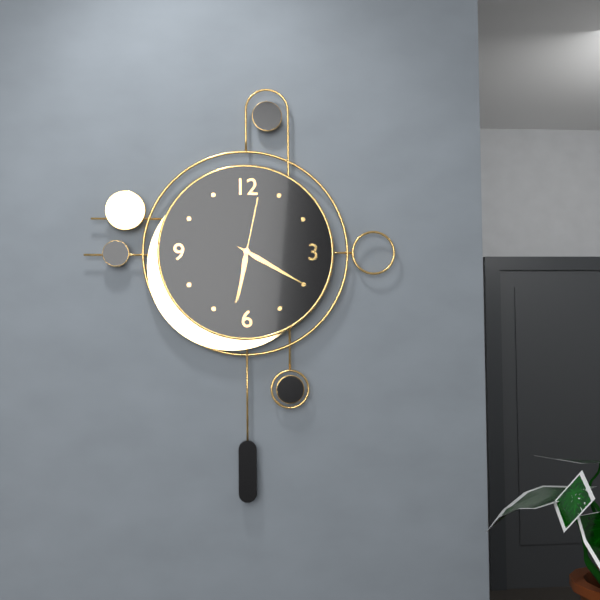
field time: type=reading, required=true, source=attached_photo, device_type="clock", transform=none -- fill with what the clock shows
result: 6:20:02
